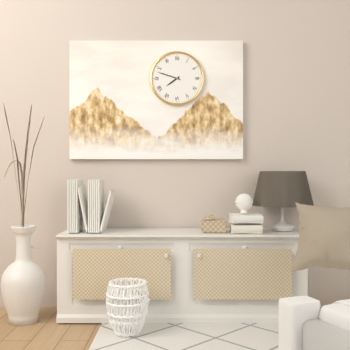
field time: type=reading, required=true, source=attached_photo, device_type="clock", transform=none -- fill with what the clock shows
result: 7:48
